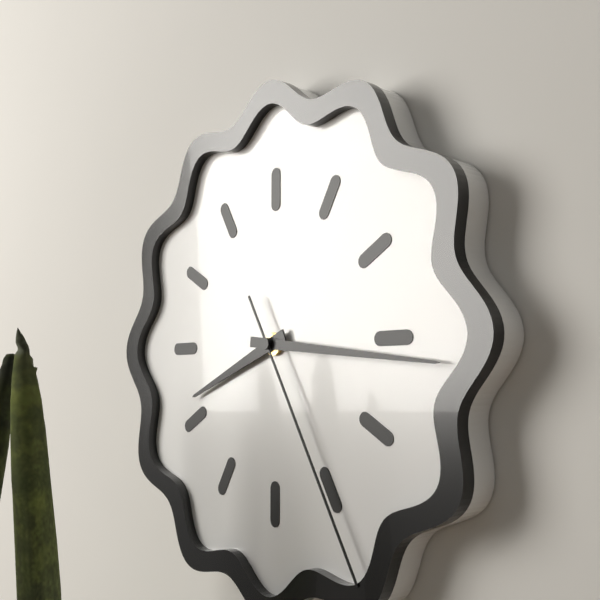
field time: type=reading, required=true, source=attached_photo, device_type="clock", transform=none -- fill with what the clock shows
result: 8:16:25
